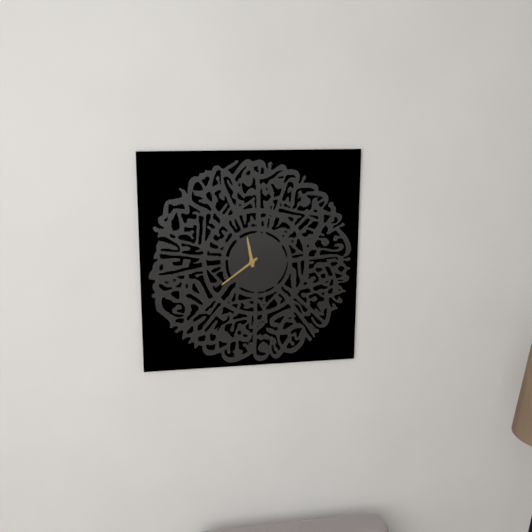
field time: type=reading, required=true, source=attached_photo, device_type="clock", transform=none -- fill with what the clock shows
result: 11:39
